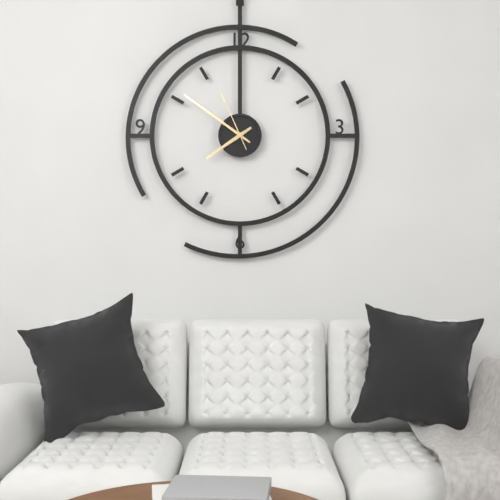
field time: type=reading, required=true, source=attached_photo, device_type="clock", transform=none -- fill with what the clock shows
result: 7:51:56
